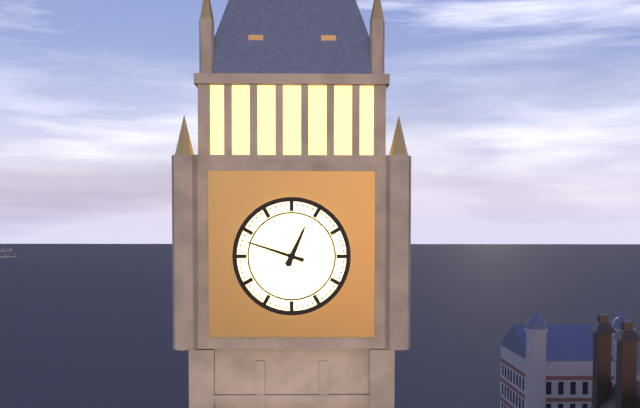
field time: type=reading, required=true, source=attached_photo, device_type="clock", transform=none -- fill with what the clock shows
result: 12:48
